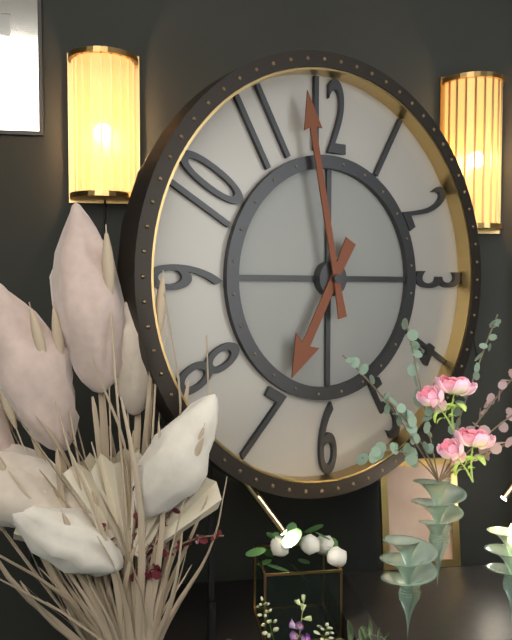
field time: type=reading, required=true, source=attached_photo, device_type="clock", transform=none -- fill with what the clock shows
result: 6:58
